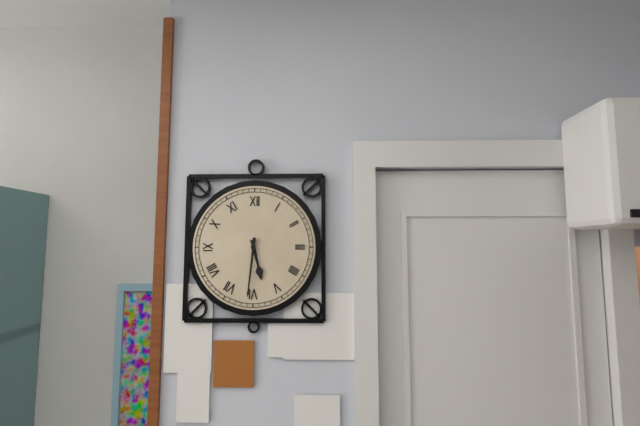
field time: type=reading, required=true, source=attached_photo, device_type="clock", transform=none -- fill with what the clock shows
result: 5:31
